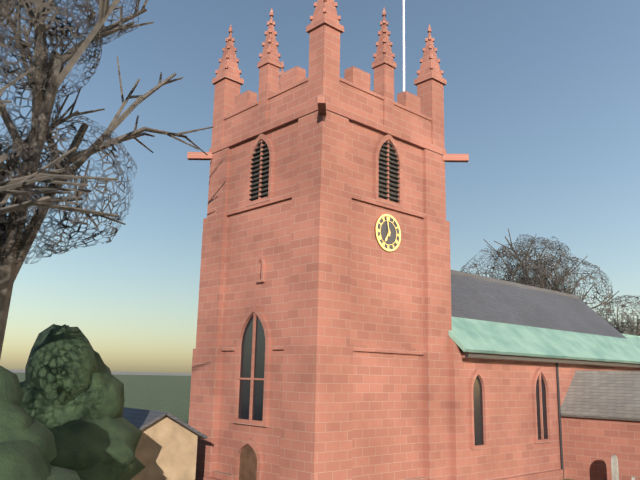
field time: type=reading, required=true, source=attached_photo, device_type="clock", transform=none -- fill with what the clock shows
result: 6:58
